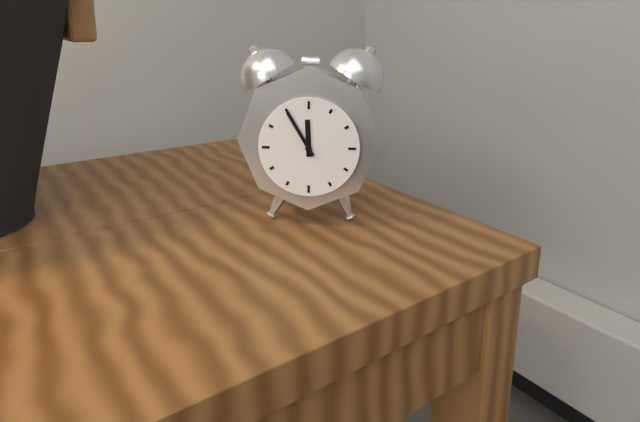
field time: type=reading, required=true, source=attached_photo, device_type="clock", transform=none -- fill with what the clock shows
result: 11:55
